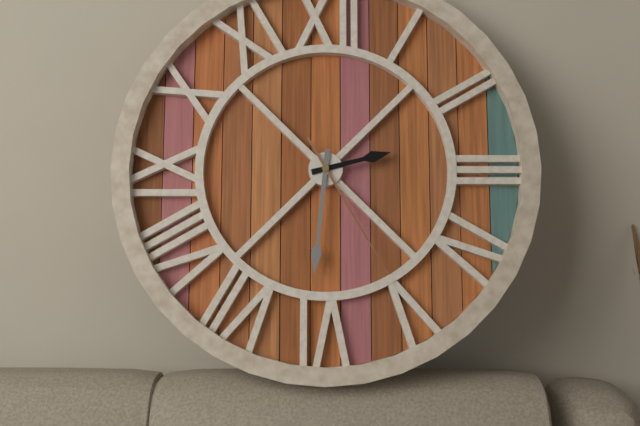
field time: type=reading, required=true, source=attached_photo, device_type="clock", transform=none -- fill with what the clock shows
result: 2:31:25
